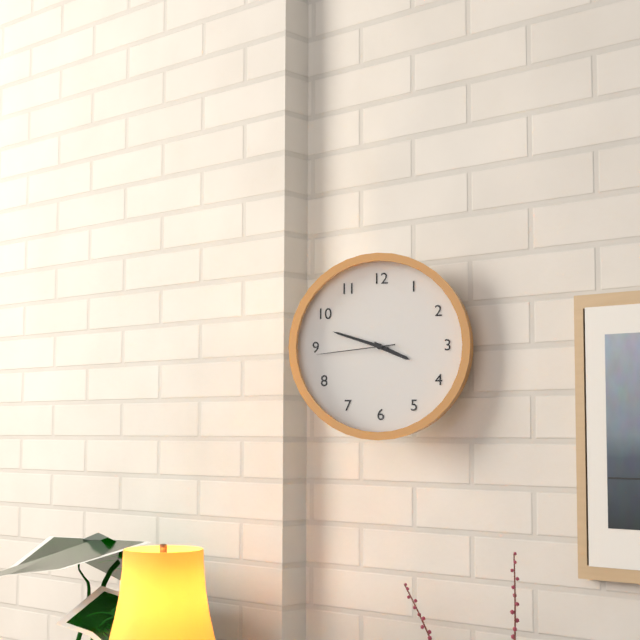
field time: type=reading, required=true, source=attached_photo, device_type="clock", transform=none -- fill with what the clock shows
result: 3:48:44
